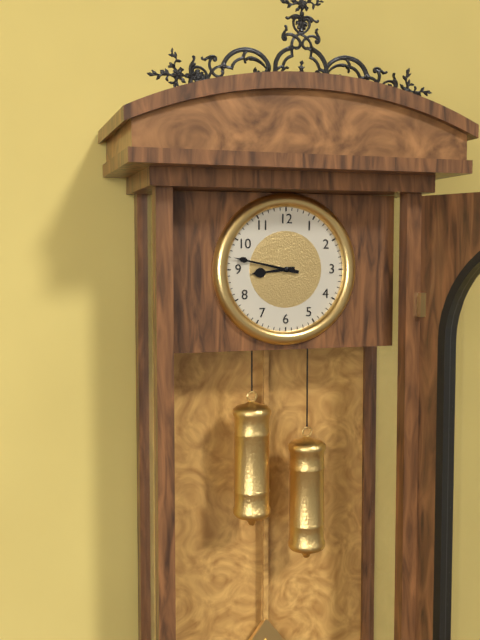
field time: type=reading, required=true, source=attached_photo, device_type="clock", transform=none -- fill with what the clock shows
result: 8:47
